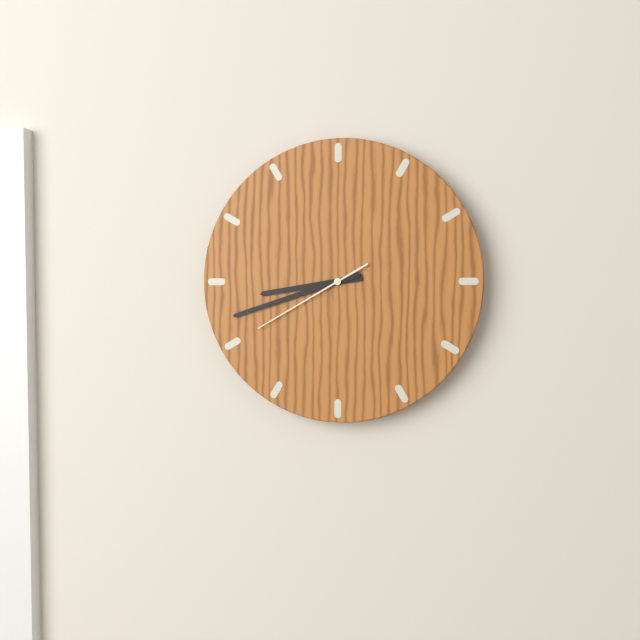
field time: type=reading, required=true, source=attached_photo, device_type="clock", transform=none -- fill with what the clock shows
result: 8:42:40
